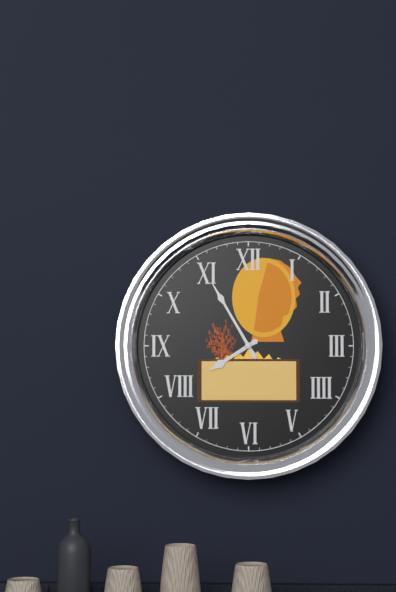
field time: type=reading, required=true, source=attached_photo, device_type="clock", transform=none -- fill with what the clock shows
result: 7:55
